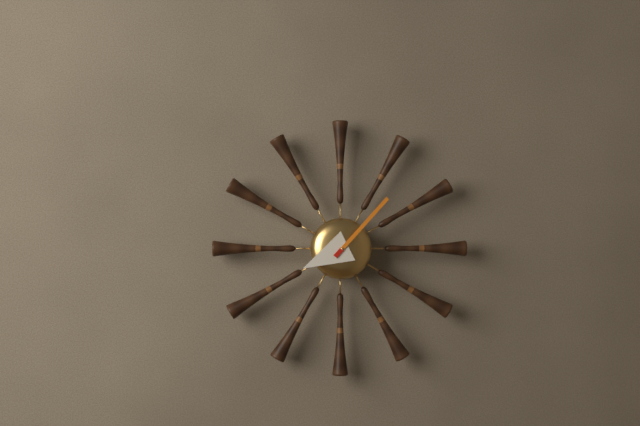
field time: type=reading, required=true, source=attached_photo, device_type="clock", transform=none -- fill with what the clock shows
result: 8:07
